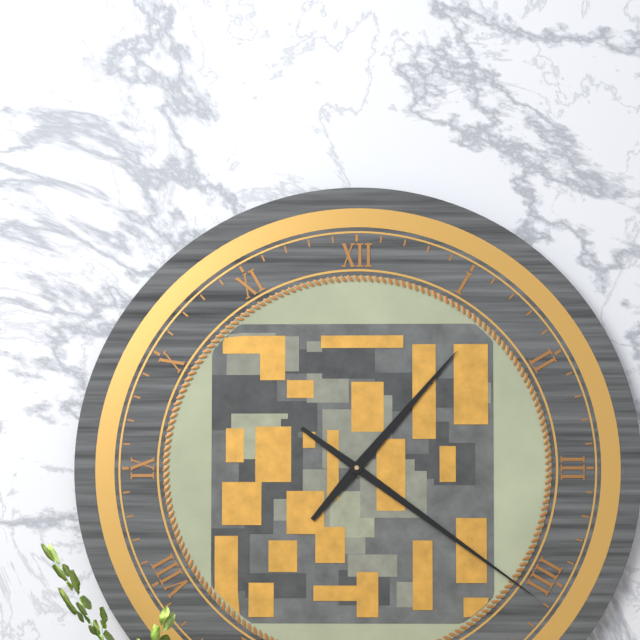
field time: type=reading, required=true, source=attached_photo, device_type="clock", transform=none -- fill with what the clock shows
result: 1:21
